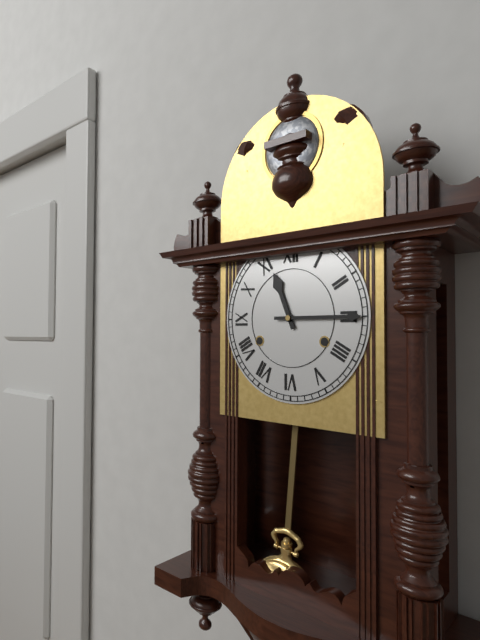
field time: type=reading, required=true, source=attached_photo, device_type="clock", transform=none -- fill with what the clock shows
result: 11:15
